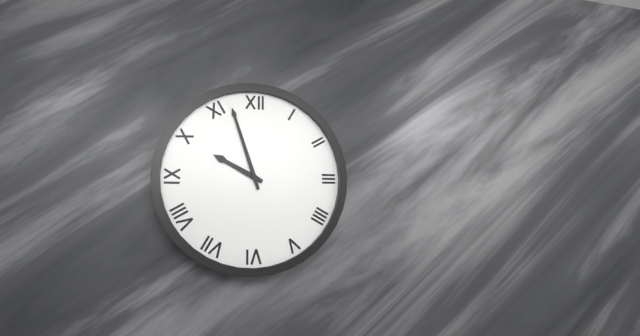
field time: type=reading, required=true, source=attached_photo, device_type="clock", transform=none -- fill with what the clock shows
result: 9:57
